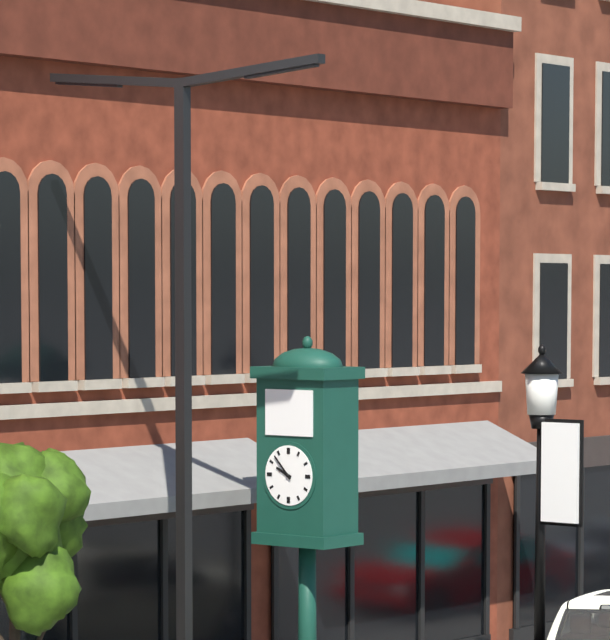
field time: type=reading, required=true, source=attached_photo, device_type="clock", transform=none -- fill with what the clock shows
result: 9:53
